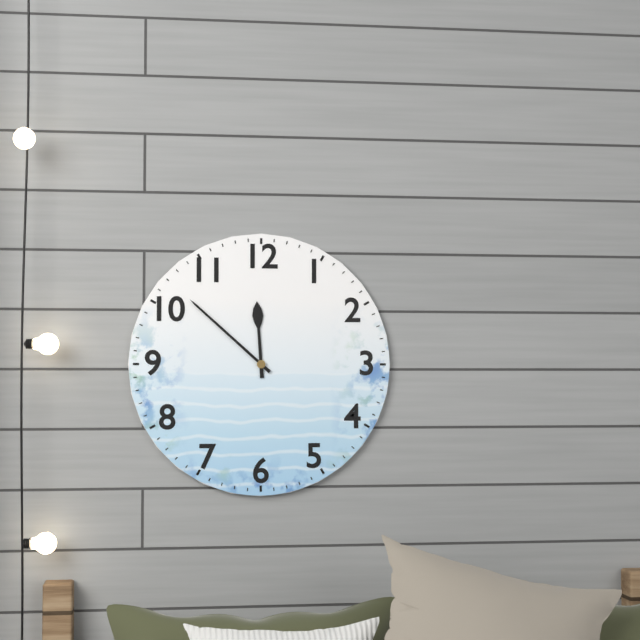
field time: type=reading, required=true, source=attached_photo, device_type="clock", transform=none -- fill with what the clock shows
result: 11:52
